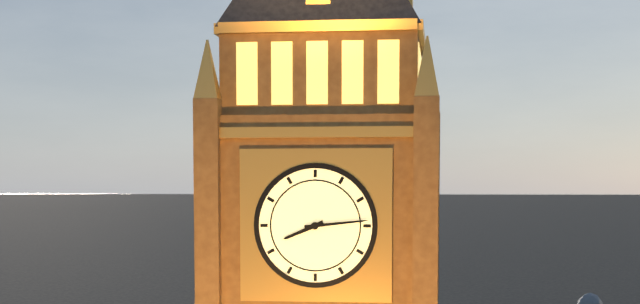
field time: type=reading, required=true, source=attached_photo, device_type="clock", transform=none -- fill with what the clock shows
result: 8:14
